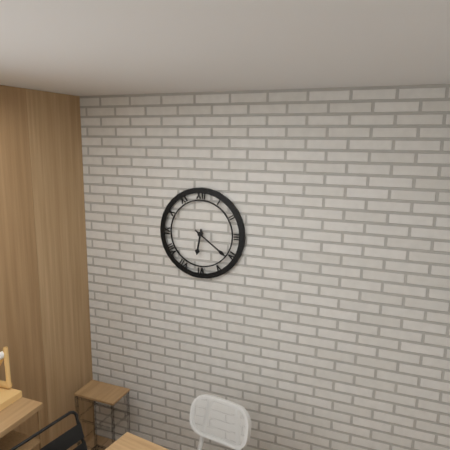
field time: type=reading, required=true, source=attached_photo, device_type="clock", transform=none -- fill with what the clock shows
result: 6:21
